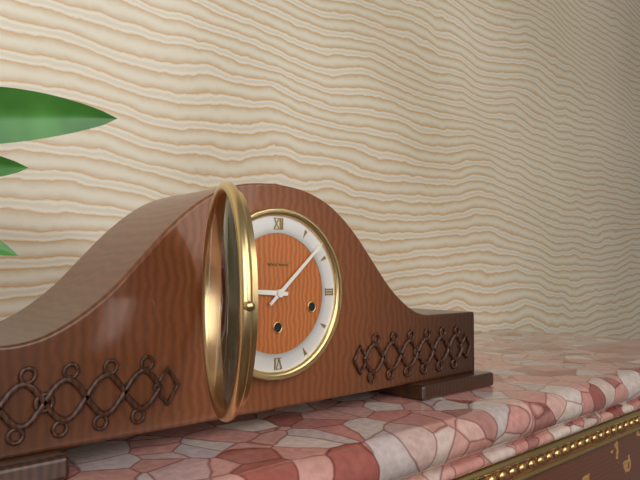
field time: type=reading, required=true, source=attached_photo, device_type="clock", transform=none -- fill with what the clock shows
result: 9:08
